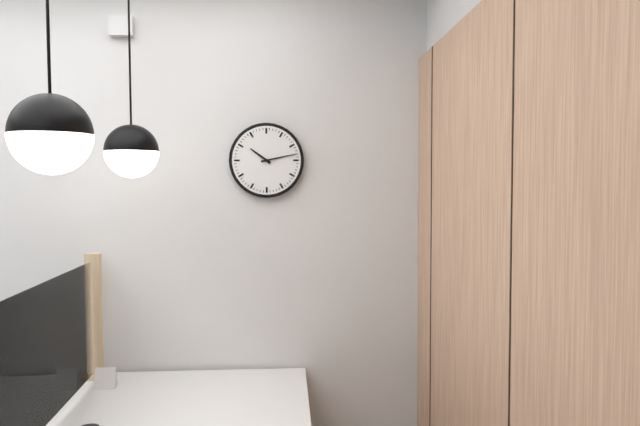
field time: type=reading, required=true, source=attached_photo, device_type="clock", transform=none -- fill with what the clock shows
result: 10:13
